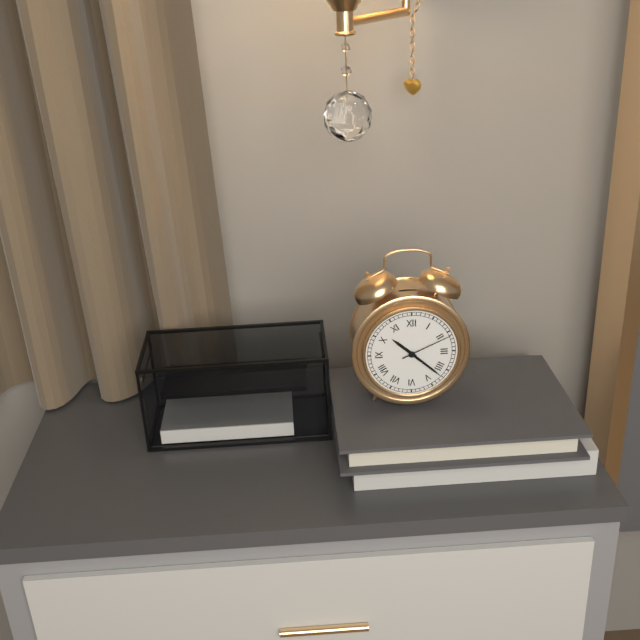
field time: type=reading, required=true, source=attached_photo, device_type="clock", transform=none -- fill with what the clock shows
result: 10:22:11
